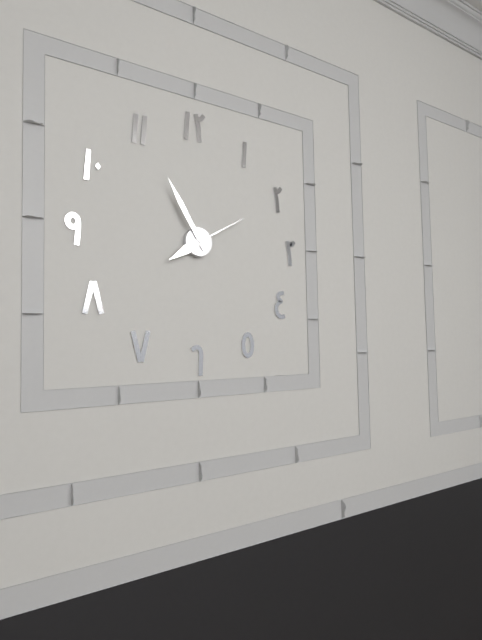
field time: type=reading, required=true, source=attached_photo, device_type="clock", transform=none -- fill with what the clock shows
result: 7:55:10
